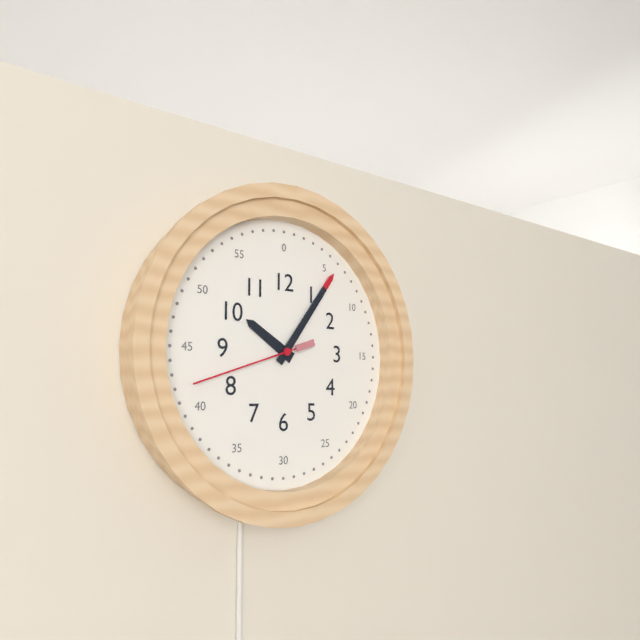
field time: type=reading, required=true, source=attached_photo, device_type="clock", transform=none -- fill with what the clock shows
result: 10:06:42
